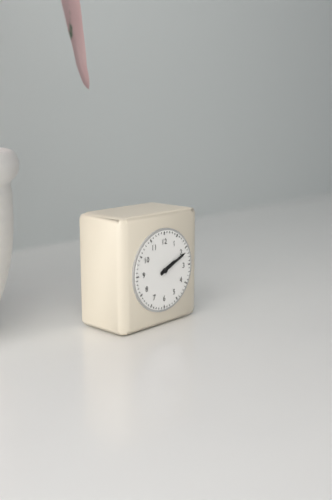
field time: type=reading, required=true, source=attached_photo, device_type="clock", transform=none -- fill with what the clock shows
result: 2:11
